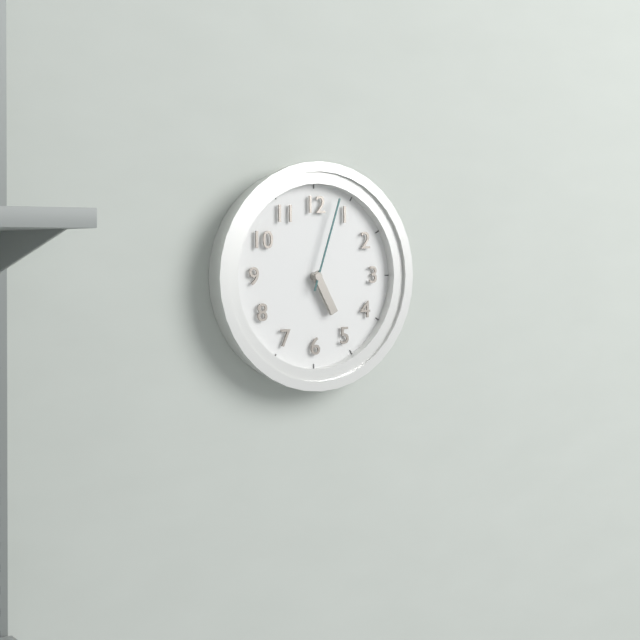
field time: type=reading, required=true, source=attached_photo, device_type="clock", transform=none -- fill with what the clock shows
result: 5:03
